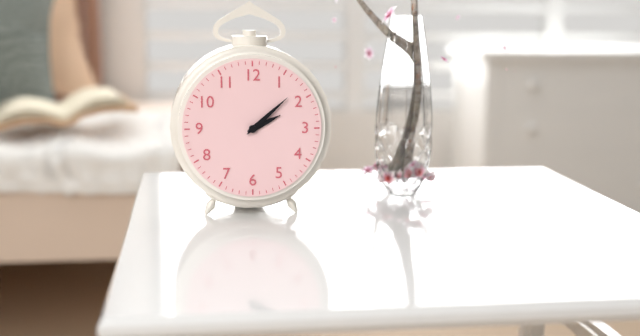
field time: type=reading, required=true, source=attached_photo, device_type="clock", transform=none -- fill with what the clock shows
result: 2:08
